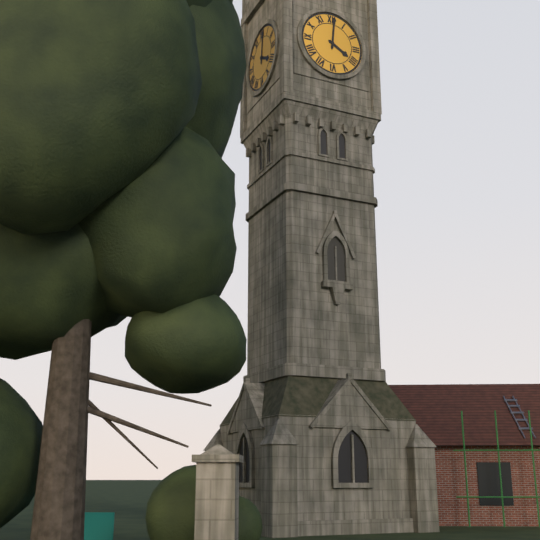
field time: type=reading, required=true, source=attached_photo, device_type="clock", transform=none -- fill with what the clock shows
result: 4:01
